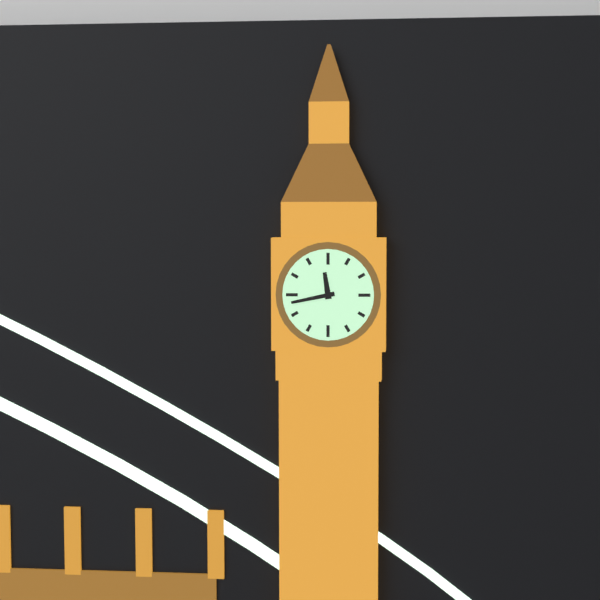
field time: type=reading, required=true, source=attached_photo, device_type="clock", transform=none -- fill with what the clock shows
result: 11:43
